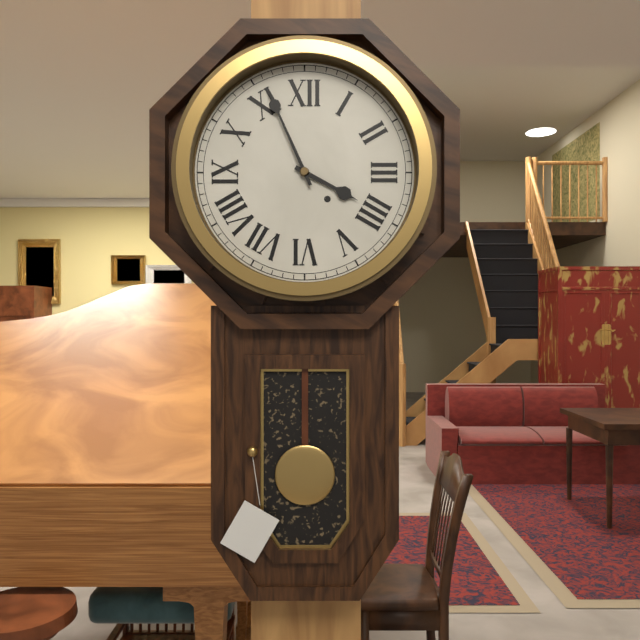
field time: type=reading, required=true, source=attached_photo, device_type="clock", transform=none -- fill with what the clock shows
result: 3:56
